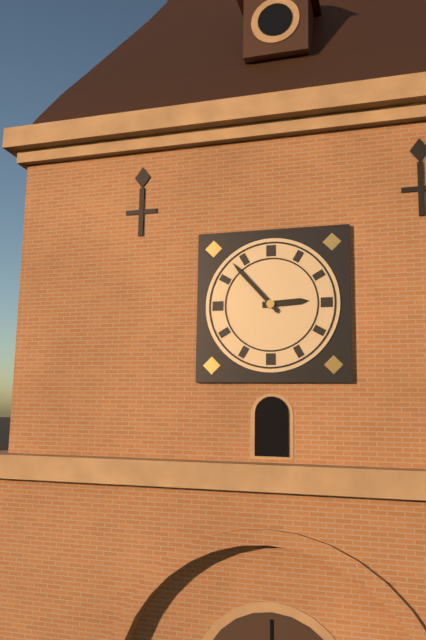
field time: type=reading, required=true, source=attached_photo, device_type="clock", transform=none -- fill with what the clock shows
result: 2:53
